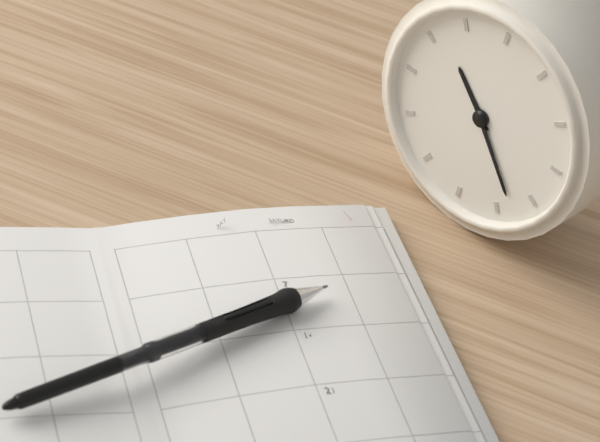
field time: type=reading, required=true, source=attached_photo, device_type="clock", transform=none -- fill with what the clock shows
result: 10:23
